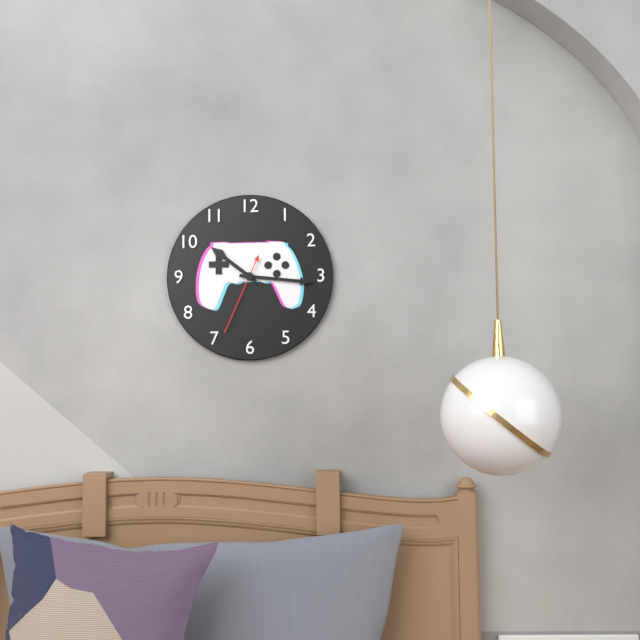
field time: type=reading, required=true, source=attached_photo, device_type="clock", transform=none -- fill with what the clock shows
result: 10:16:34
